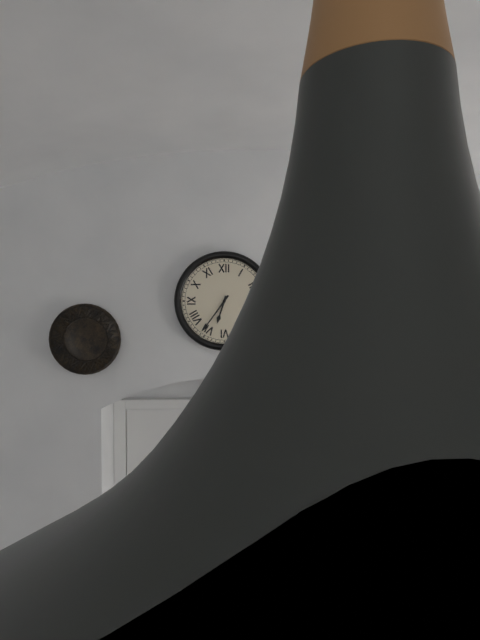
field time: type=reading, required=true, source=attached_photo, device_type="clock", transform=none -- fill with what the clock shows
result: 6:36
